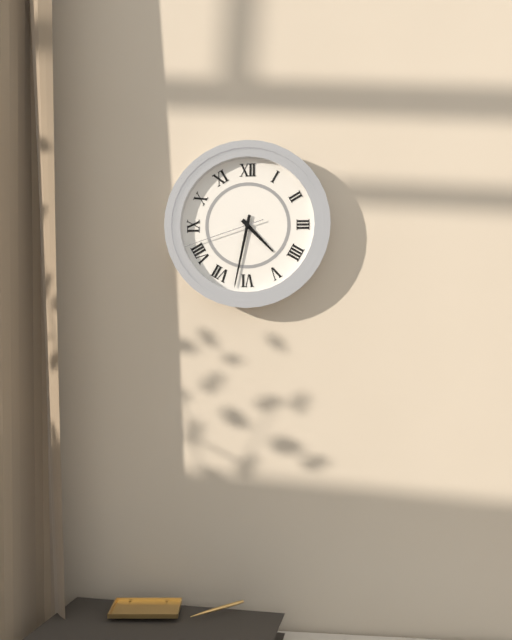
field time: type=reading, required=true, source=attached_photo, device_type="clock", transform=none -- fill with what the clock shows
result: 4:32:42
